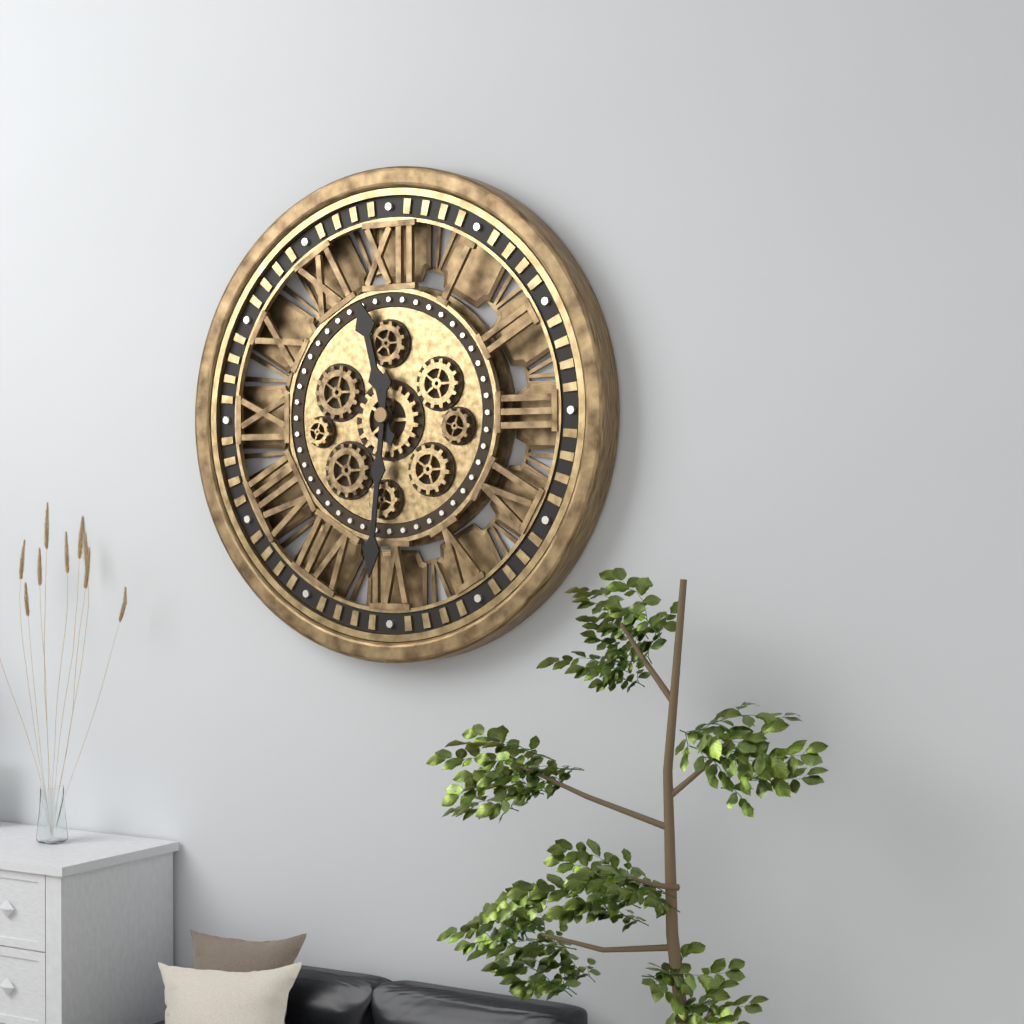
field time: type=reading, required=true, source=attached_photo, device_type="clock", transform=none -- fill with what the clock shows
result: 11:31
